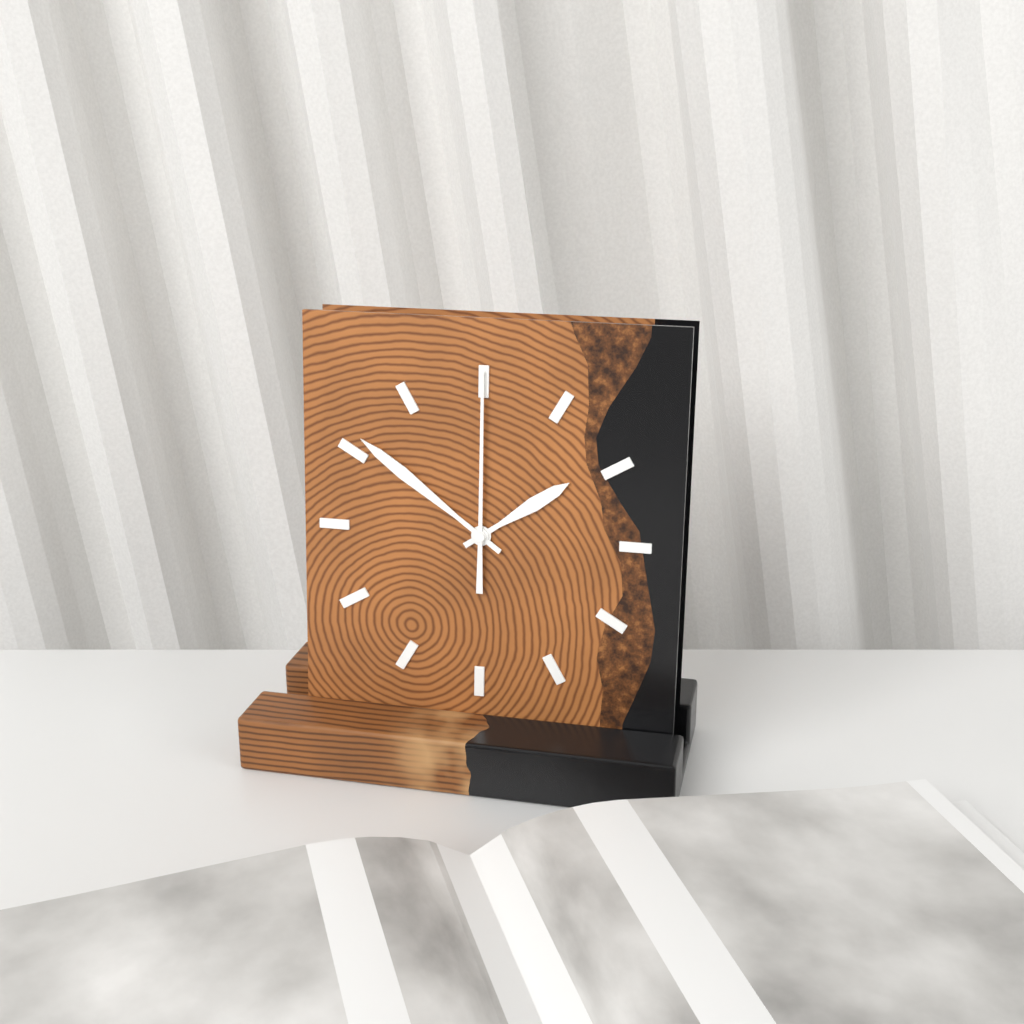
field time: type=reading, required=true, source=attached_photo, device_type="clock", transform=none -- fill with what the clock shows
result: 1:51:00
